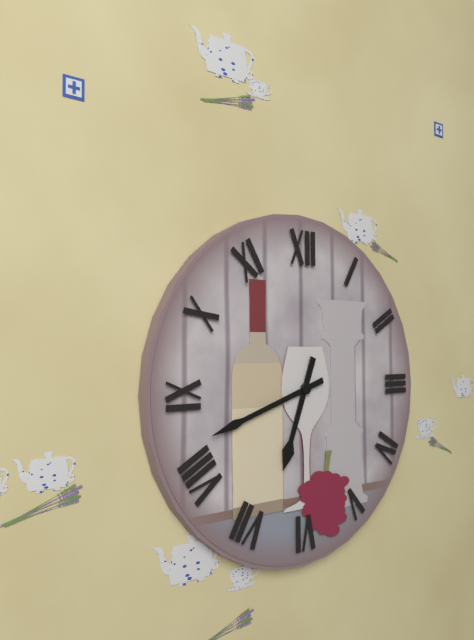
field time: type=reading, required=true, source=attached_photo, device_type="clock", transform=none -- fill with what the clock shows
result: 6:42
